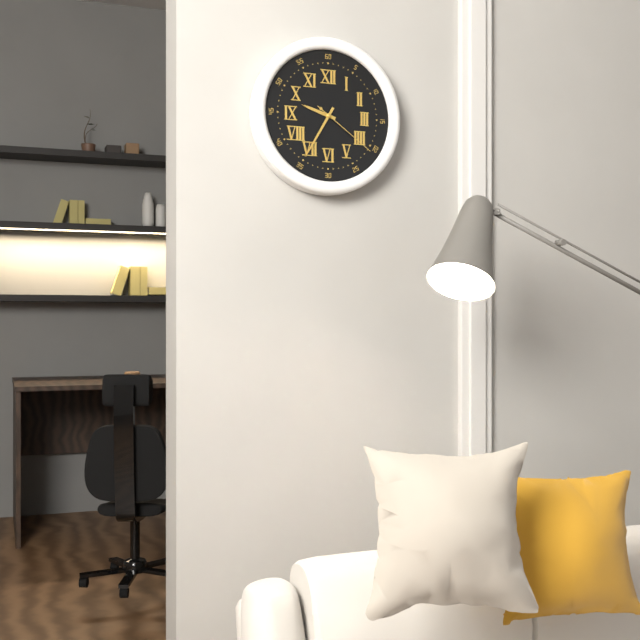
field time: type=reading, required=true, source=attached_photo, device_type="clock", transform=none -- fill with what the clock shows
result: 9:35:21
